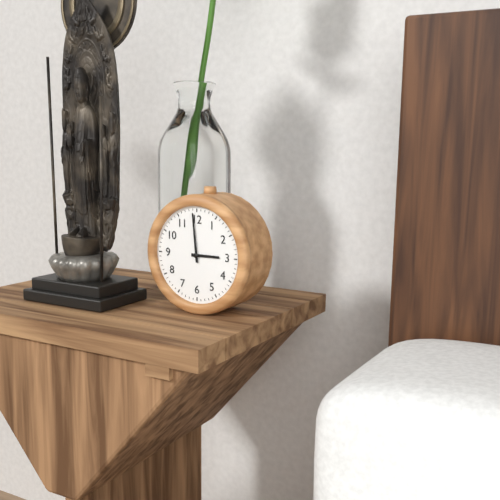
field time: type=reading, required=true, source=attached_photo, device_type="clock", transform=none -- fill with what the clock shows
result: 2:59
